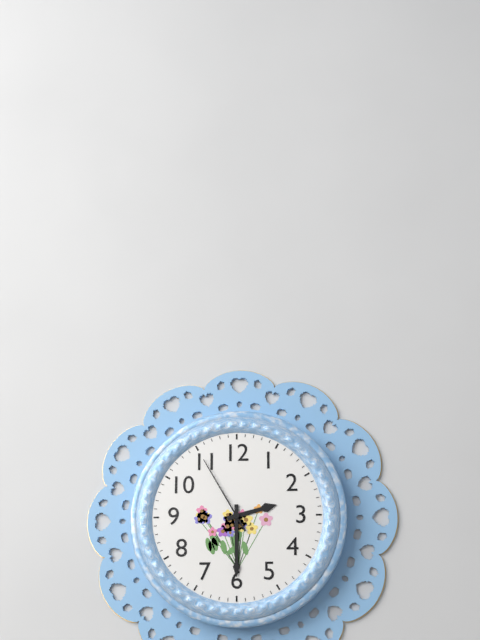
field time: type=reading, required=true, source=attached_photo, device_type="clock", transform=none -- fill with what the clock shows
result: 2:30:55
